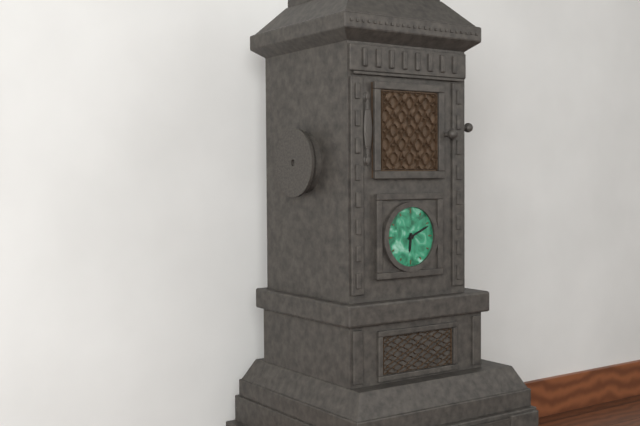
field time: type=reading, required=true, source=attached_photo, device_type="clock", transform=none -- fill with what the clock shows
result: 6:11
